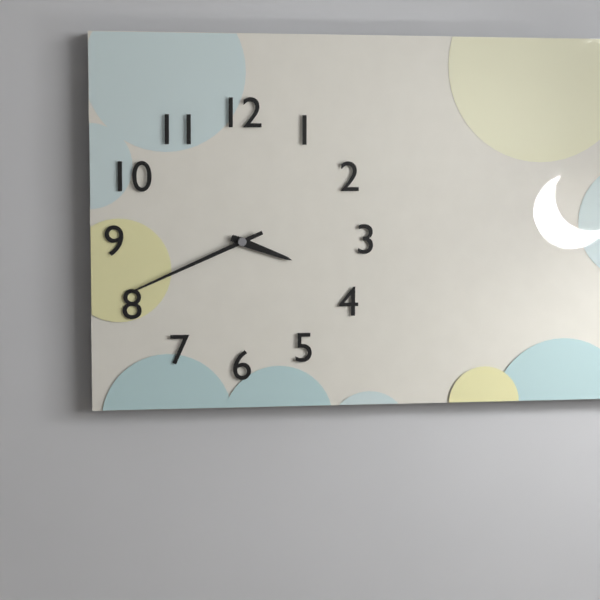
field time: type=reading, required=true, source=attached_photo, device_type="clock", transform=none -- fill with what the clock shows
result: 3:41
